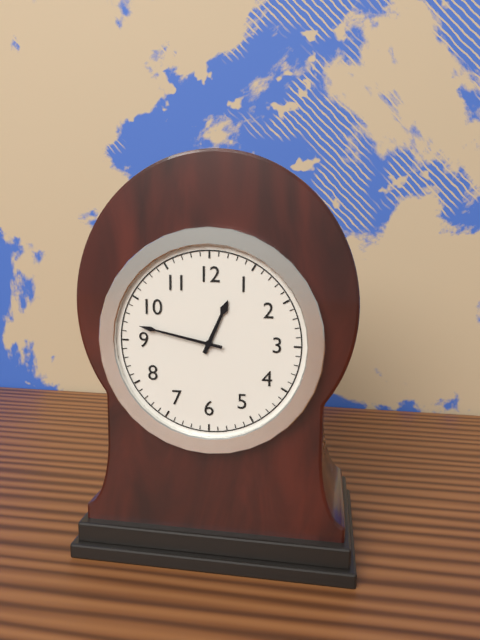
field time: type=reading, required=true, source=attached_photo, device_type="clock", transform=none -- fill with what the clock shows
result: 12:47
